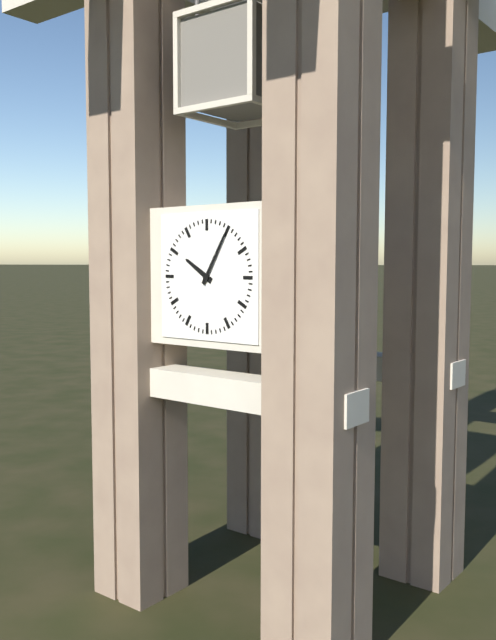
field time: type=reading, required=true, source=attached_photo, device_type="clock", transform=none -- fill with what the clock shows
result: 10:05
